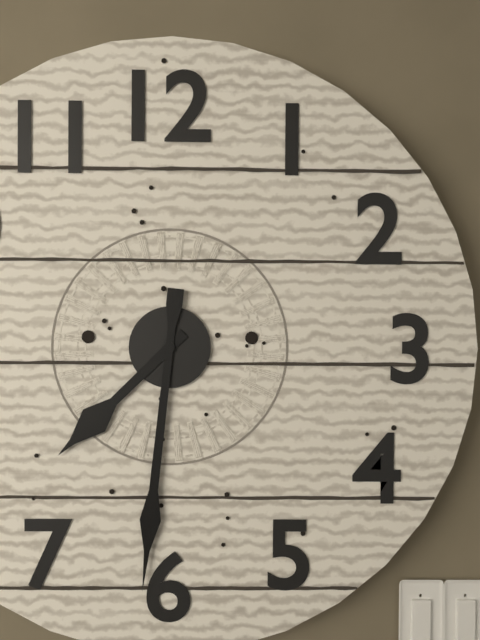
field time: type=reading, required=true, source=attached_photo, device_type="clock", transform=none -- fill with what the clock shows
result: 7:31
